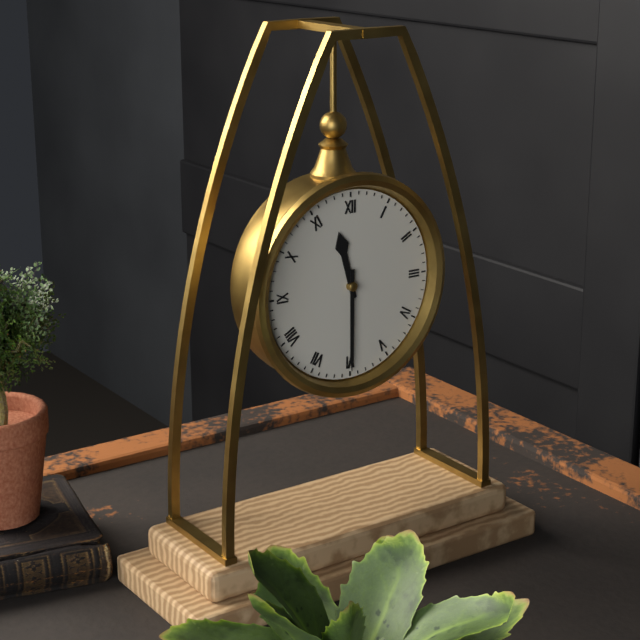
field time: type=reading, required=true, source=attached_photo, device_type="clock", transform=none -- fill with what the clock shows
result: 11:30
